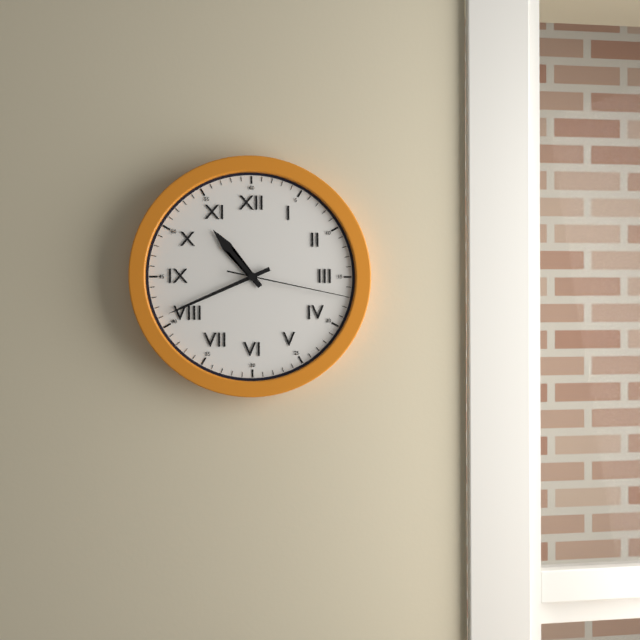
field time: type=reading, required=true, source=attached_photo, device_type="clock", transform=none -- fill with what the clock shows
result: 10:41:17
